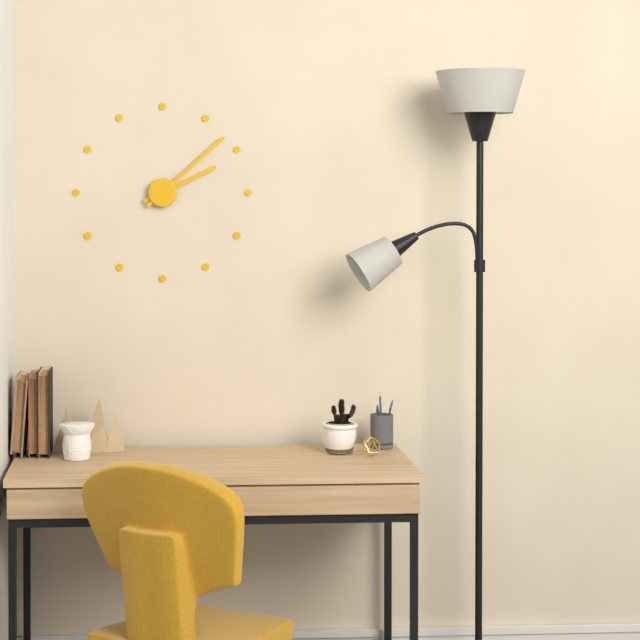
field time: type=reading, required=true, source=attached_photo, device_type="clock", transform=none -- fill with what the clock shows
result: 2:08
